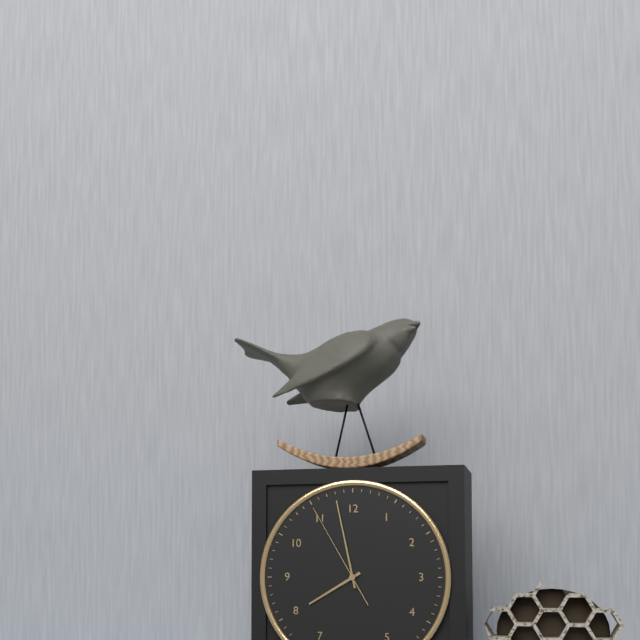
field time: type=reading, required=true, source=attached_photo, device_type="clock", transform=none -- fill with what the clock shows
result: 7:58:55
